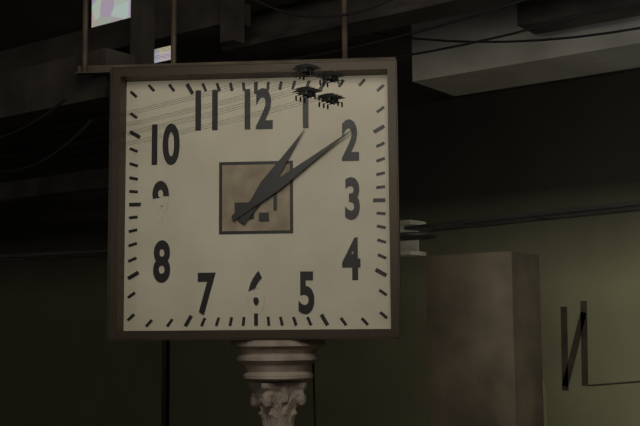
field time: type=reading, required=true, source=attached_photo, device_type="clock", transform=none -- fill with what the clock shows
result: 1:09
